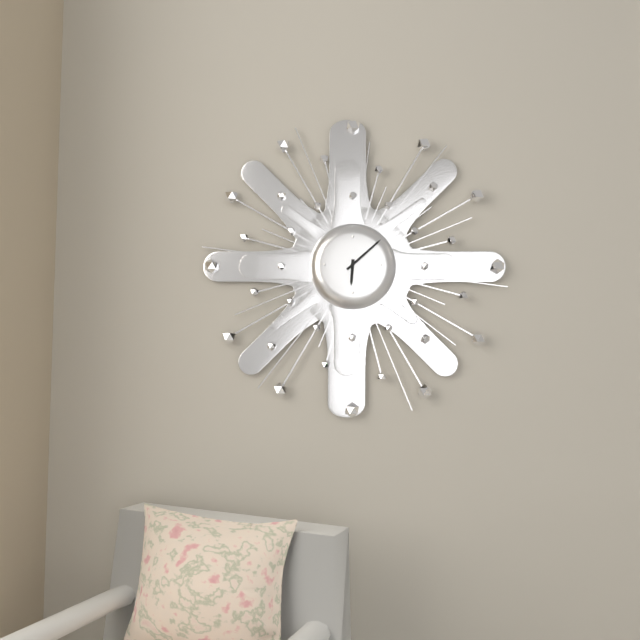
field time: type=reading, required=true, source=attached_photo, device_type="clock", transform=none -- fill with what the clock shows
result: 6:08
